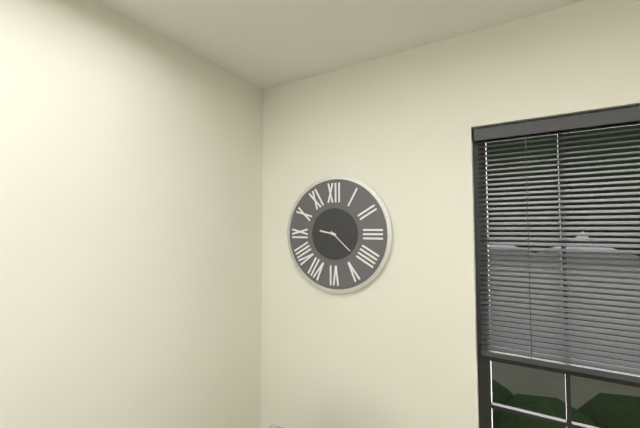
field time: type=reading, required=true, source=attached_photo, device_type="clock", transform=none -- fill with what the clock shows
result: 9:22
